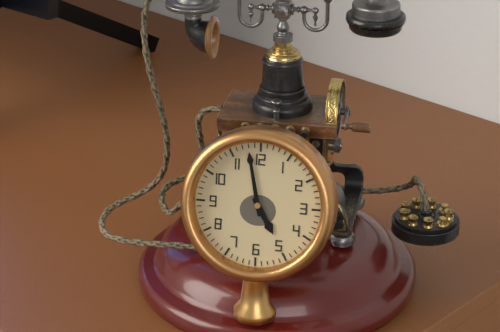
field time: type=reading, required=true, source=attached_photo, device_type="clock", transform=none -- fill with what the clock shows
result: 4:58
